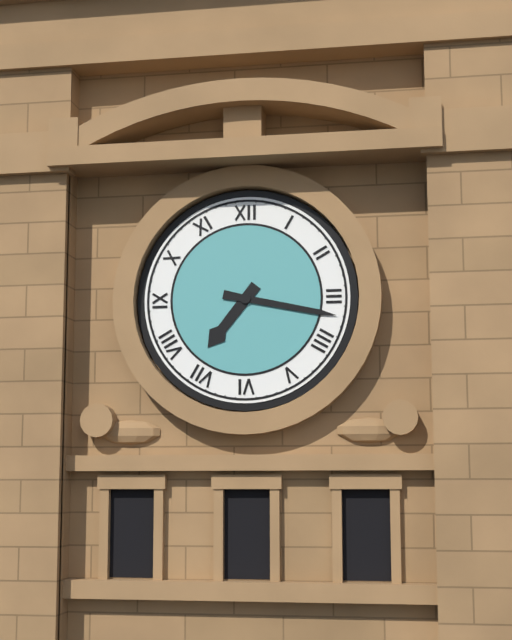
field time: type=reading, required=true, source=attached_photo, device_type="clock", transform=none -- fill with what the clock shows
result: 7:17
